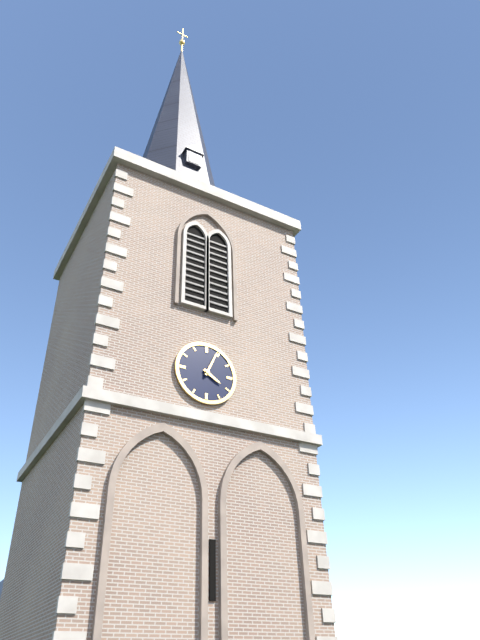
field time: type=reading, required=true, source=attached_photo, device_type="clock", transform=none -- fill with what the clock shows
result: 4:04
